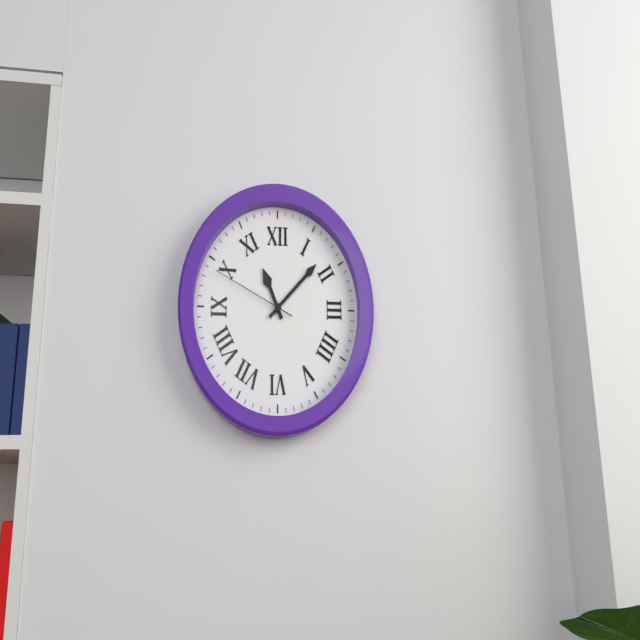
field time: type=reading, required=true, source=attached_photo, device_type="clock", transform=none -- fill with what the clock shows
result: 11:08:49
